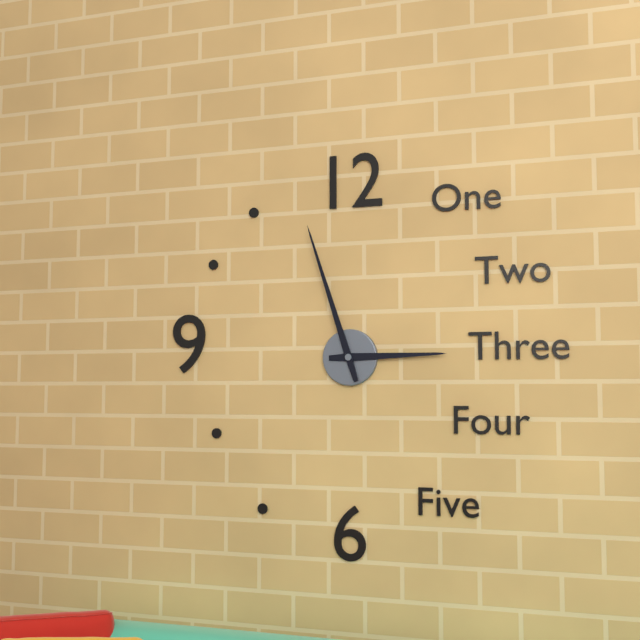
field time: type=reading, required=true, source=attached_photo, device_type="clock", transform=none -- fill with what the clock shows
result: 2:57
